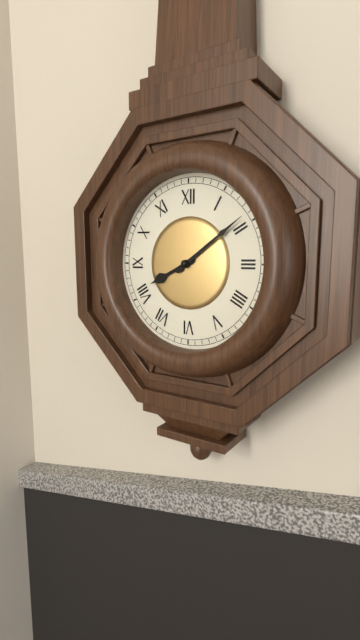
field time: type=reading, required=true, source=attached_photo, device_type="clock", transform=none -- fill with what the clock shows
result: 8:09
